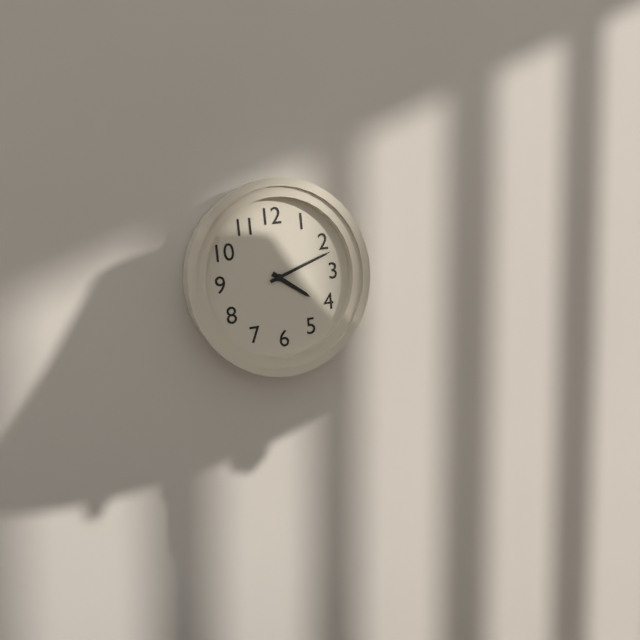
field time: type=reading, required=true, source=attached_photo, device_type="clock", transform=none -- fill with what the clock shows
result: 4:12
